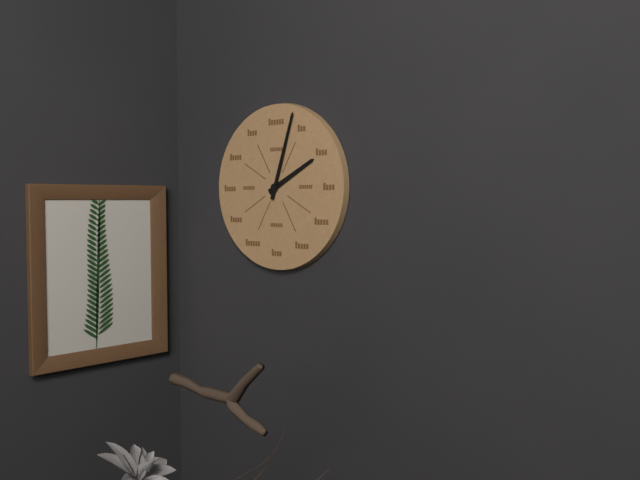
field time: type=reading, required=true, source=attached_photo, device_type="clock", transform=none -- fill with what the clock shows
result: 2:03
